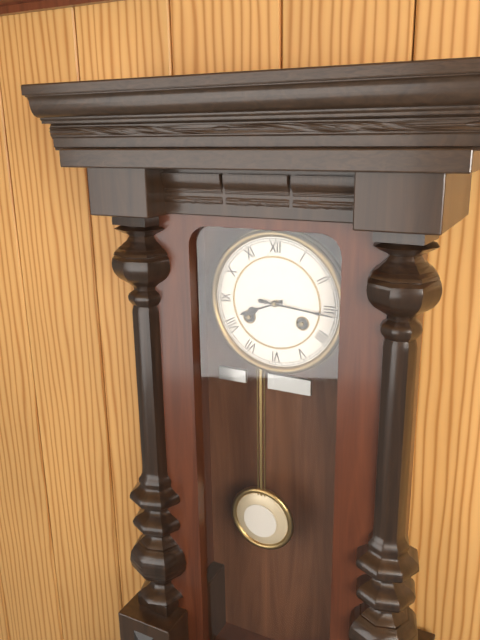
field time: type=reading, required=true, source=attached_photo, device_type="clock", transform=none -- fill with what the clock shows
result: 8:16
